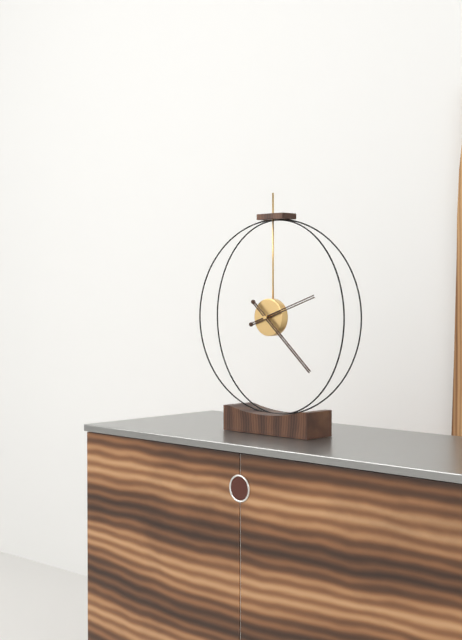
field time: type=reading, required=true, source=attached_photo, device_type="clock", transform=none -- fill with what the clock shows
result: 2:22
